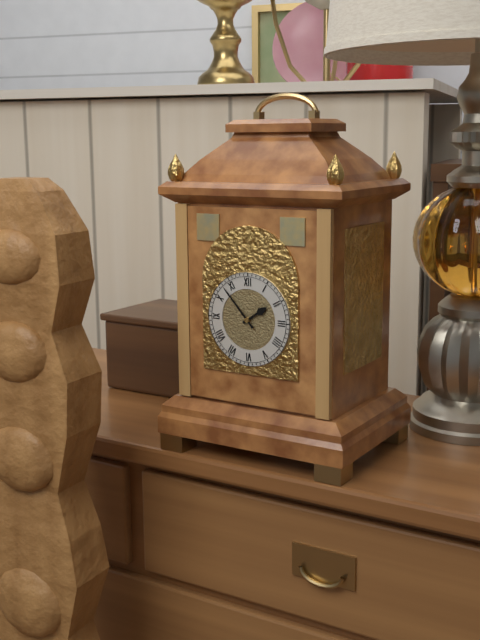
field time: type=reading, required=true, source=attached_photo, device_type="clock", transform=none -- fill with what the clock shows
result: 1:53
